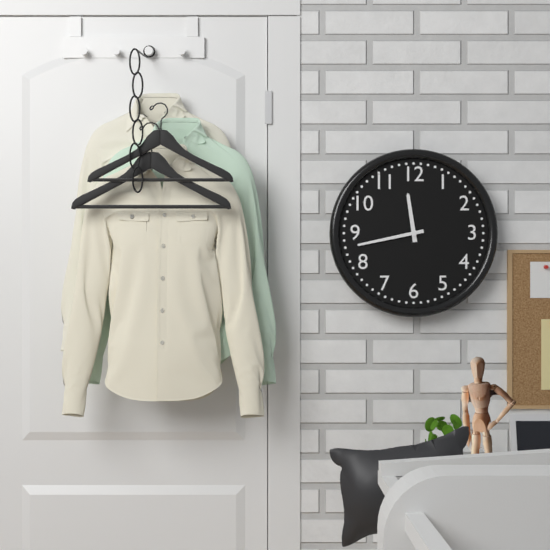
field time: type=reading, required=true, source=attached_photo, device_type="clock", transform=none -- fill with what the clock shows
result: 11:43
